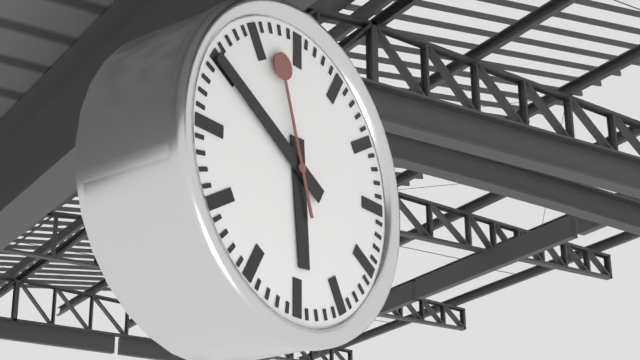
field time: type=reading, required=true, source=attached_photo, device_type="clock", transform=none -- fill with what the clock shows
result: 5:50:57
